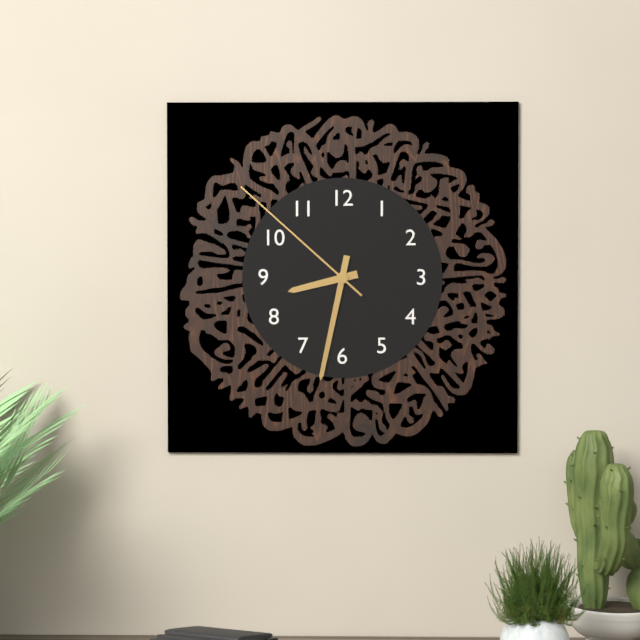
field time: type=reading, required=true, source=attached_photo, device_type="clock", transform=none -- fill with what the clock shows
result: 8:32:52
